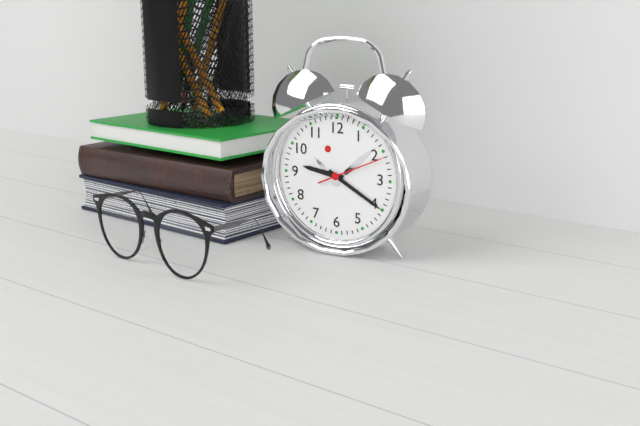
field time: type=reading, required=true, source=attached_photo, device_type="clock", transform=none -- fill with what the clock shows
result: 9:20:11
